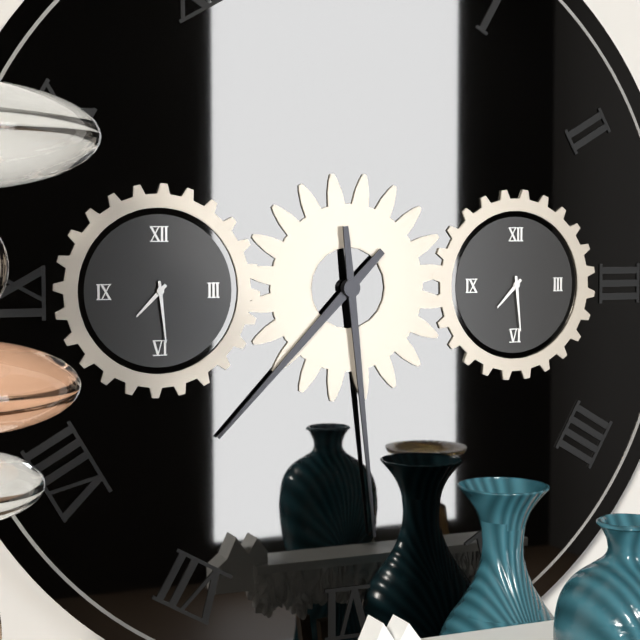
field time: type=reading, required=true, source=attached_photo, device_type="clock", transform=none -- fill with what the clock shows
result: 7:29
